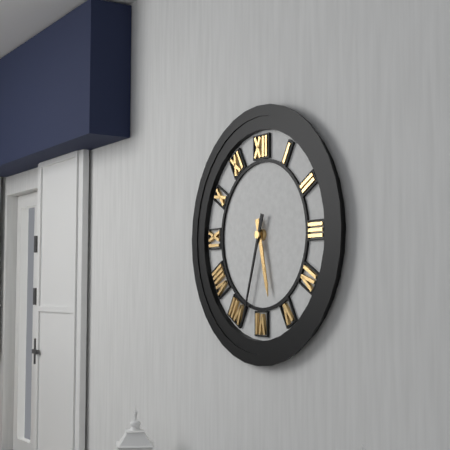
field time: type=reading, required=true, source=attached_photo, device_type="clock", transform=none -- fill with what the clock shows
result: 5:33
